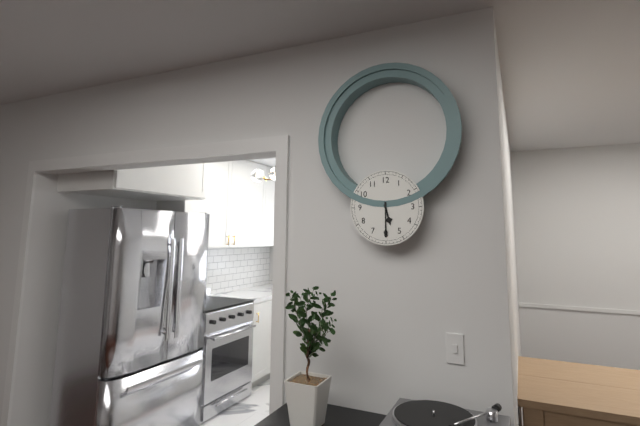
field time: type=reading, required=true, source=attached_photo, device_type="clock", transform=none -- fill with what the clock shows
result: 5:30
